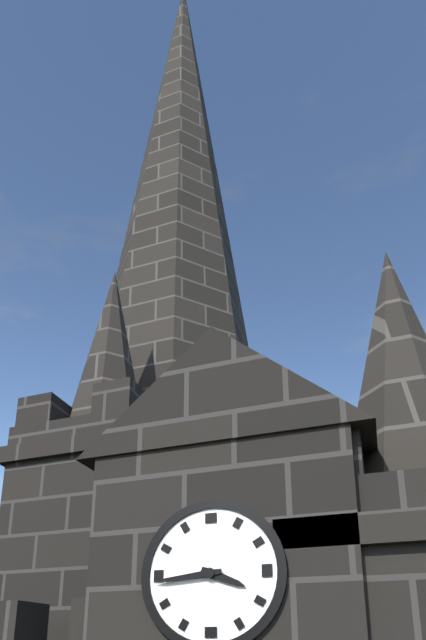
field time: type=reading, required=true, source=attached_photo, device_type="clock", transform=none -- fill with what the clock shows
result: 3:44
